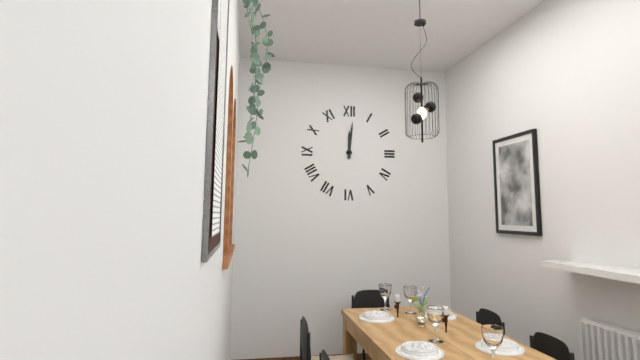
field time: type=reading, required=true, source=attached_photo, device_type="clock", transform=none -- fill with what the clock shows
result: 12:01
